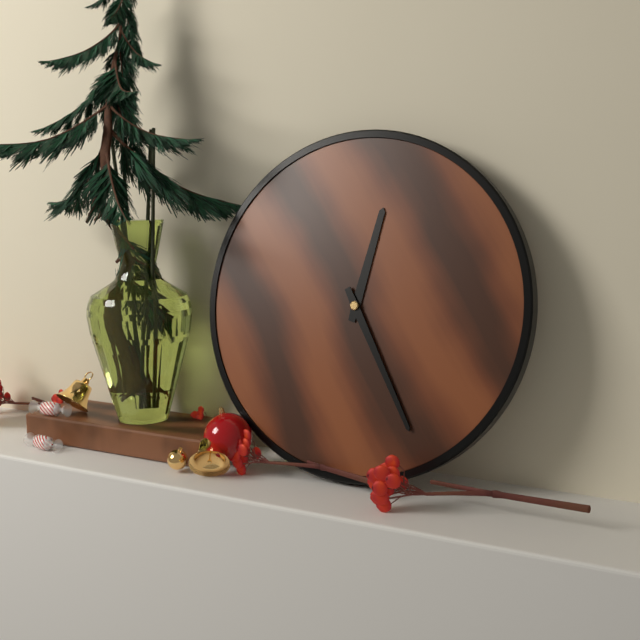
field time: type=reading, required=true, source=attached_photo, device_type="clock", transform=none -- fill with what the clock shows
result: 12:25
